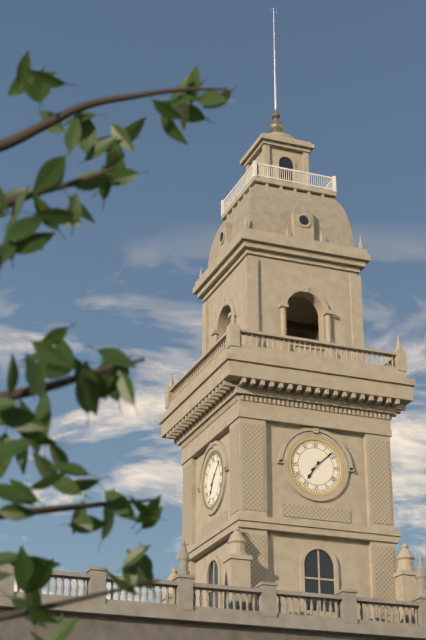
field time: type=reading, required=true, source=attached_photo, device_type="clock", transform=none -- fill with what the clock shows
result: 7:08
